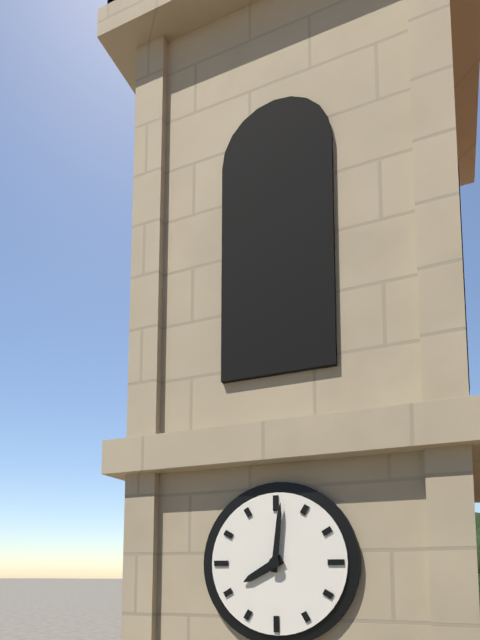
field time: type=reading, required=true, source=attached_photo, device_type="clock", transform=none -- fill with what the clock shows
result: 8:01
